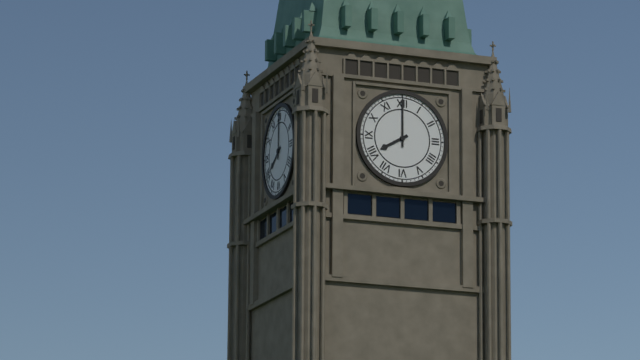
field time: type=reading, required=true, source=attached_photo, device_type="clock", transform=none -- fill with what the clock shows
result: 8:00
